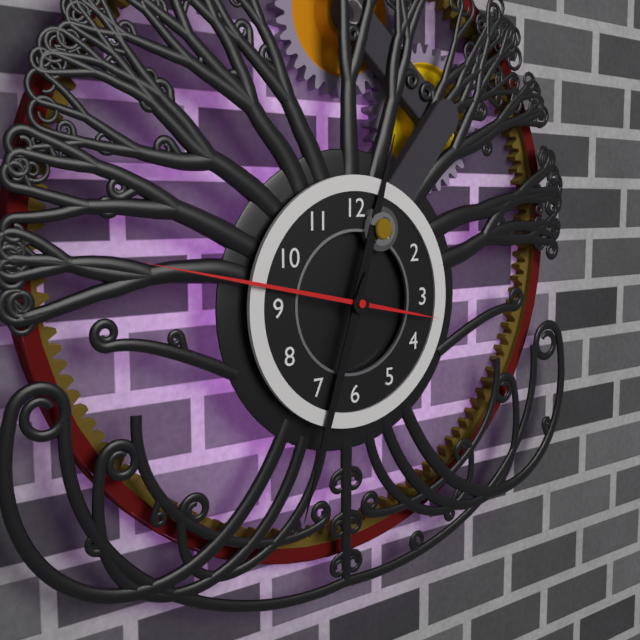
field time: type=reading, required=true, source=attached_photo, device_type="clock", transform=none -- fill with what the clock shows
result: 12:33:47
